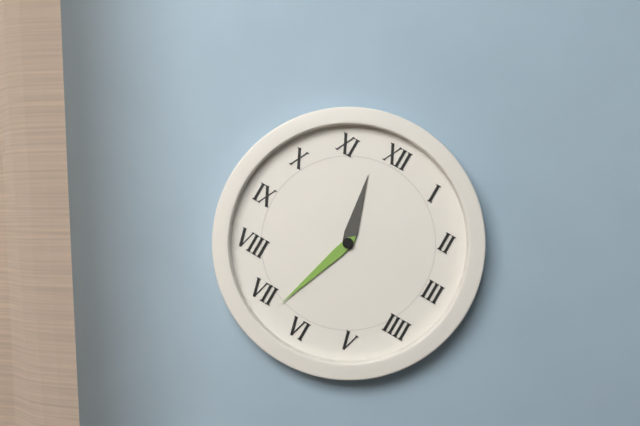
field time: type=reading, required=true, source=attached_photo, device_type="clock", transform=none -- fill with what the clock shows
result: 11:33
